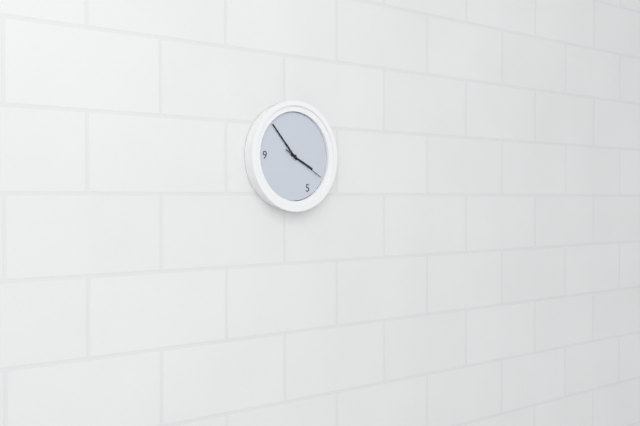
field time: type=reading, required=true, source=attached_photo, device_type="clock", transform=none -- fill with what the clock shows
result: 3:53
